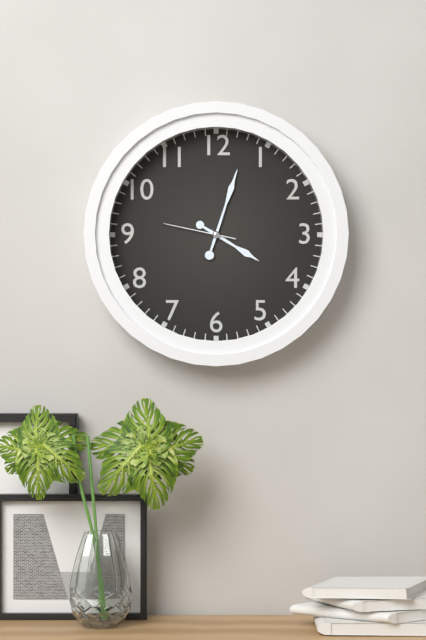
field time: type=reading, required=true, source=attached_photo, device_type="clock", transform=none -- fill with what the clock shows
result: 4:03:47
